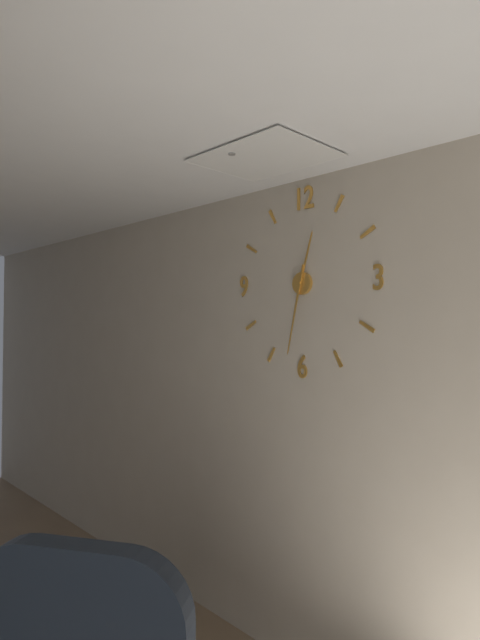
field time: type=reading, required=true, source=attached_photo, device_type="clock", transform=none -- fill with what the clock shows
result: 12:32
